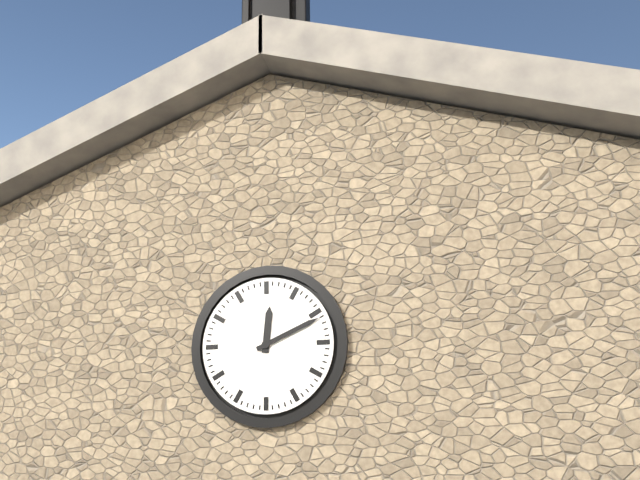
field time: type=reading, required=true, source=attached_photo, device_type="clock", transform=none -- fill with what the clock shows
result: 12:11
